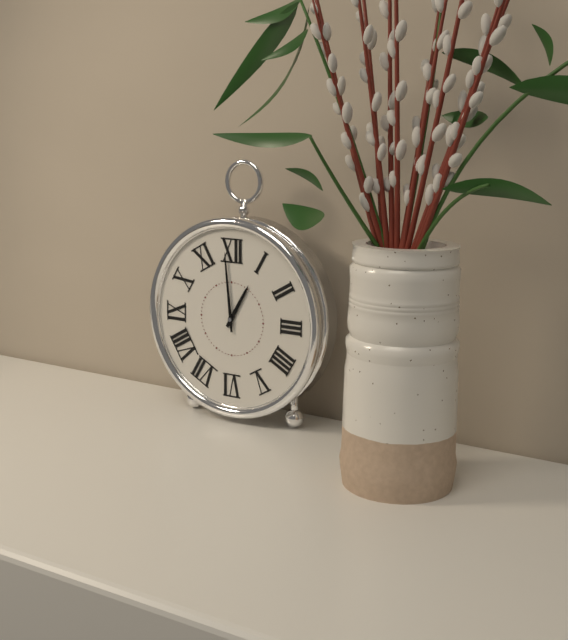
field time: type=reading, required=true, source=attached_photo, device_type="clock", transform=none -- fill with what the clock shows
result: 12:59
